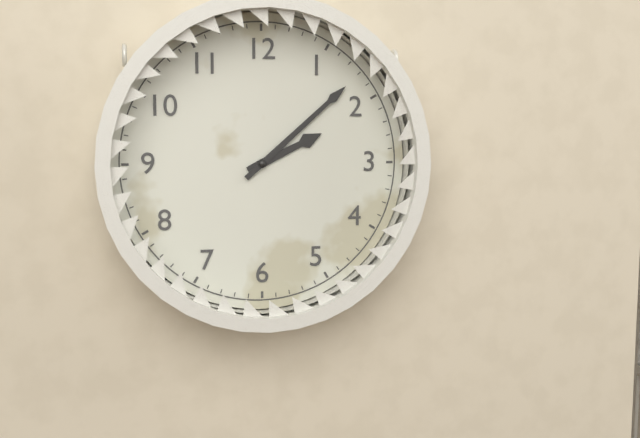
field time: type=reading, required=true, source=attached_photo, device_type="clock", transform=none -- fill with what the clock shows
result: 2:08
